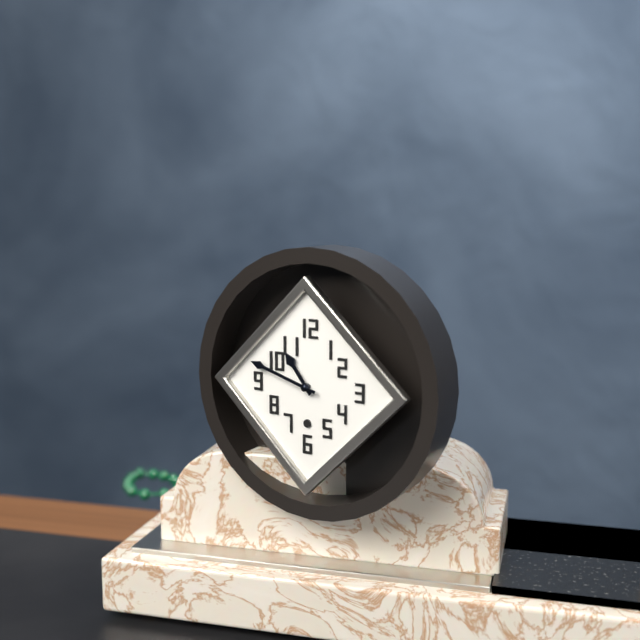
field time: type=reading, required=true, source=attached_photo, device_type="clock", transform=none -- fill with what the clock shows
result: 10:48
